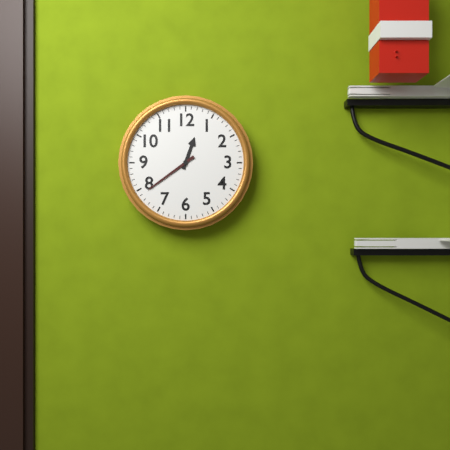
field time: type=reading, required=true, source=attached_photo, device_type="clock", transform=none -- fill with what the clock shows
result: 12:39
